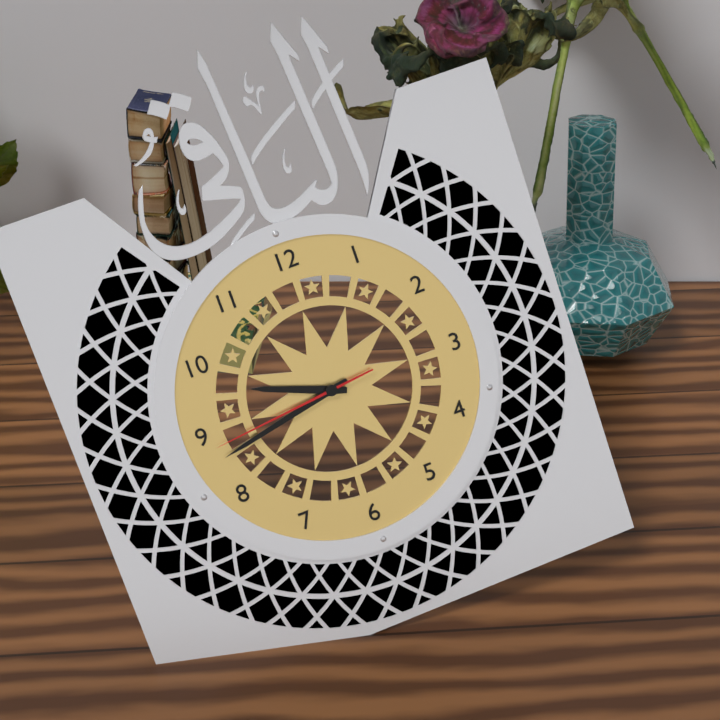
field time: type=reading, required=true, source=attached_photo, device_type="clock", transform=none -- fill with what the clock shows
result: 9:43:44
